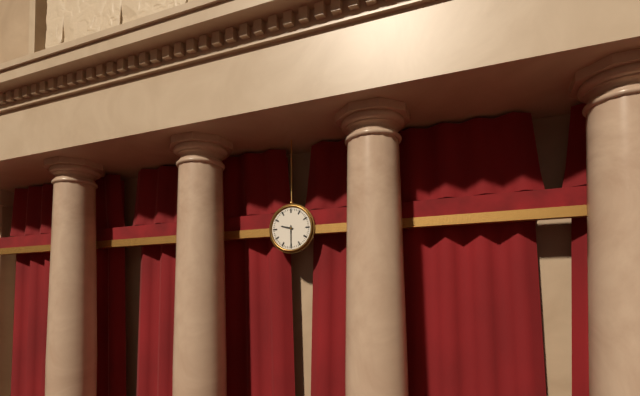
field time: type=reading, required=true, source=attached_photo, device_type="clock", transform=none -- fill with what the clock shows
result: 9:30
